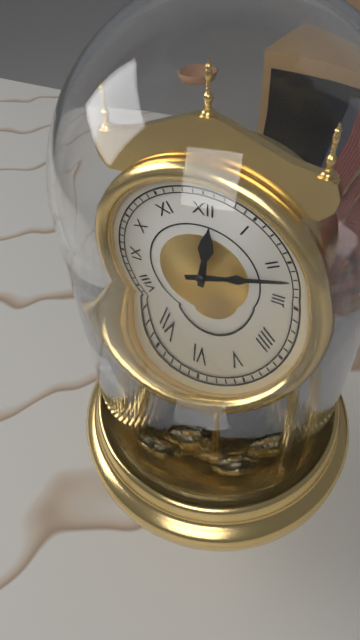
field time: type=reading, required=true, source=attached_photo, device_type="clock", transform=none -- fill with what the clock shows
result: 12:12
